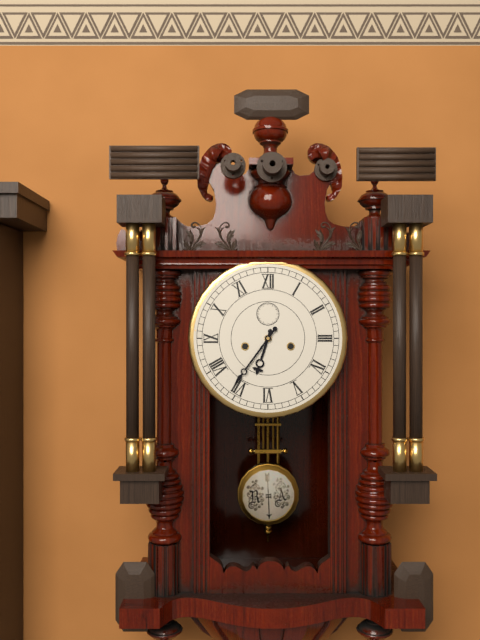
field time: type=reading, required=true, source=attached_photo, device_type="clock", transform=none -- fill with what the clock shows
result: 6:36
